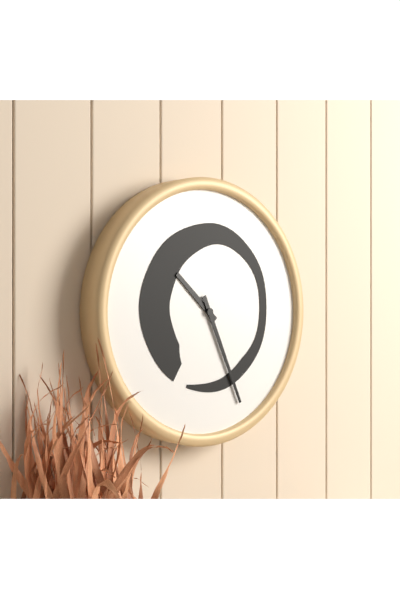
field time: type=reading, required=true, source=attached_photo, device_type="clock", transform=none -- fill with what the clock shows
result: 10:26
